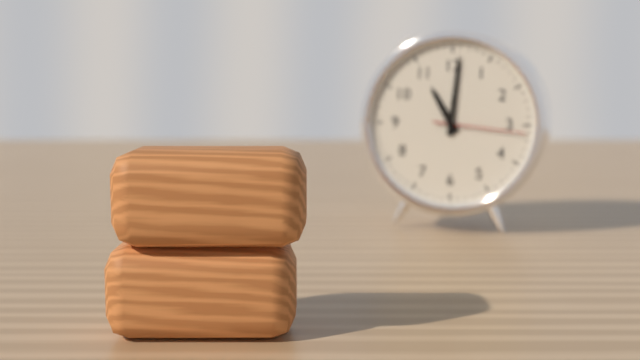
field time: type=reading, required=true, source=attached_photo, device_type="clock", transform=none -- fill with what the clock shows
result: 11:01:16
